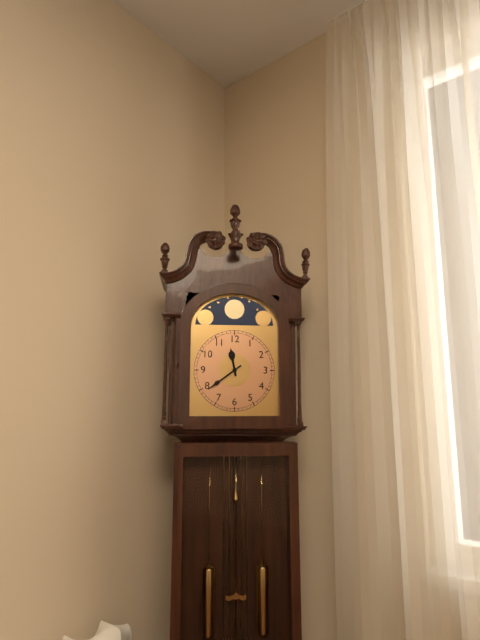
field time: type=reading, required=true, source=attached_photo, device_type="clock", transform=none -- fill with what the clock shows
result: 11:39
